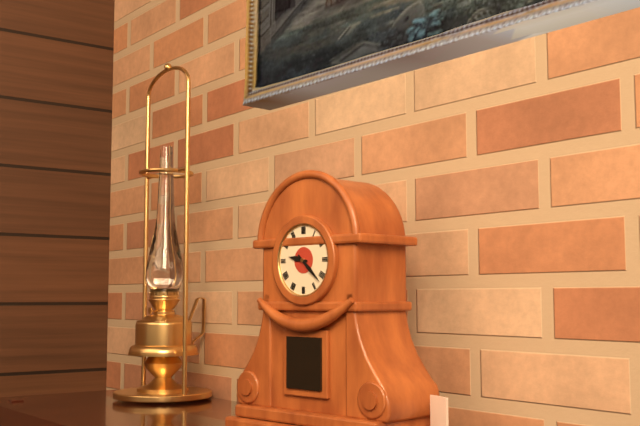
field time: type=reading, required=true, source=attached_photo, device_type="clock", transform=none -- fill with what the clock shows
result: 9:22
